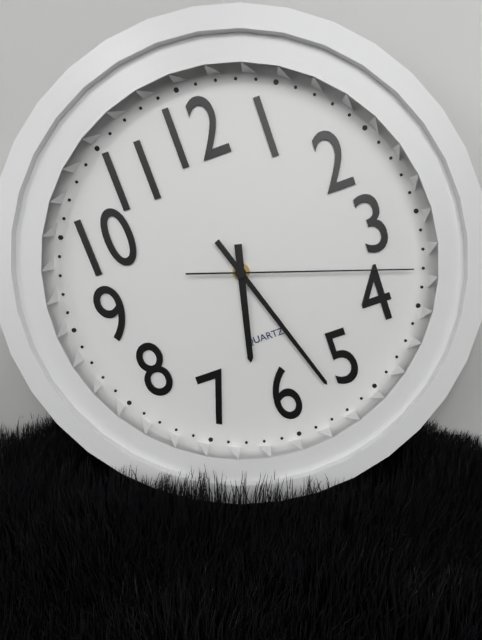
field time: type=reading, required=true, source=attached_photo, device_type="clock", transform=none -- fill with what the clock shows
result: 6:27:18
